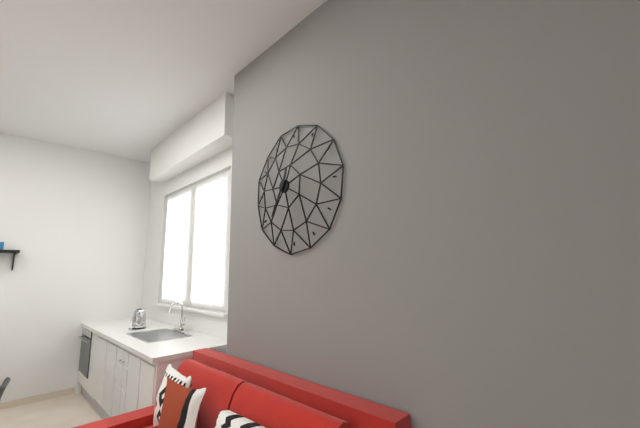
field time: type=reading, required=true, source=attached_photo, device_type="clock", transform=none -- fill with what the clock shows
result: 12:35
